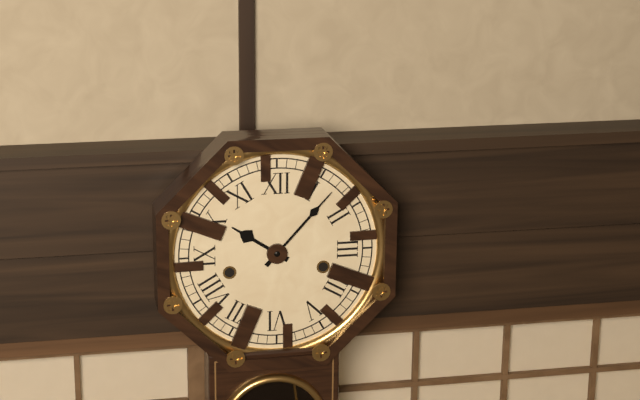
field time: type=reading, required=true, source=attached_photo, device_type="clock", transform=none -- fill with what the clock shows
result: 10:07
